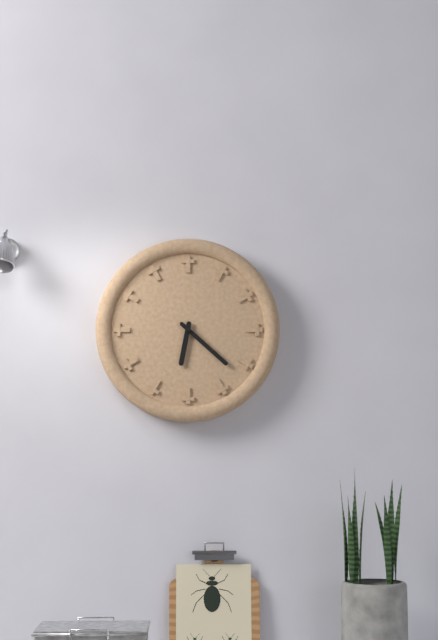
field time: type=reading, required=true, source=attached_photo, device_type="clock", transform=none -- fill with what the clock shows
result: 6:22
